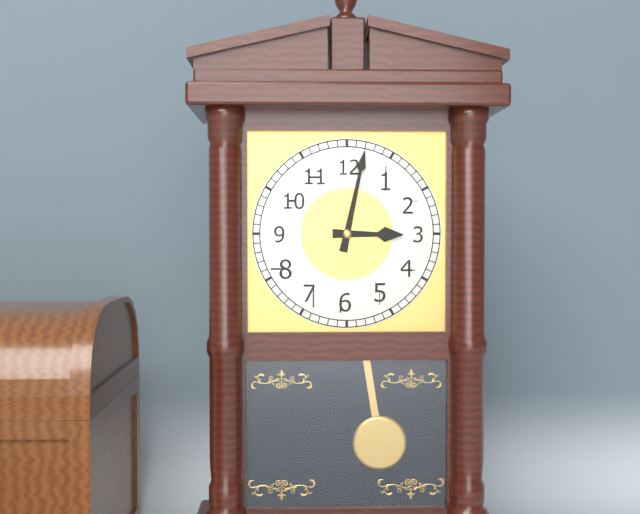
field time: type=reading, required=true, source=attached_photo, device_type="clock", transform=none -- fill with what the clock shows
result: 3:02
